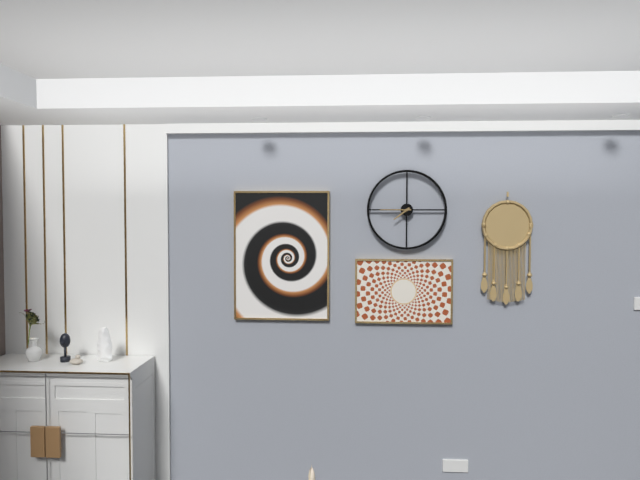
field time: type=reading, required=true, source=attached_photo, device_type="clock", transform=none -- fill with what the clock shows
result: 7:45
